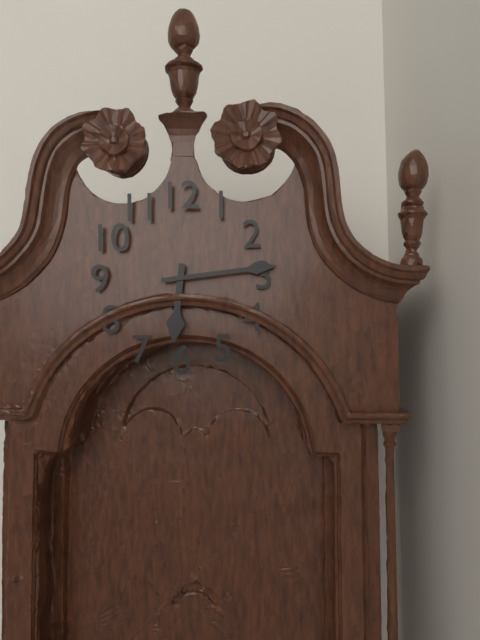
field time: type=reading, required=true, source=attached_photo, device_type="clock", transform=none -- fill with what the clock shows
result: 6:14
